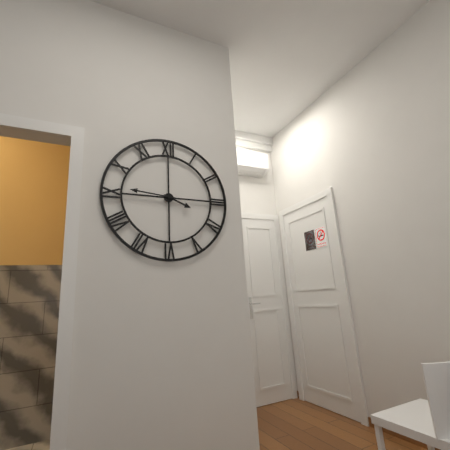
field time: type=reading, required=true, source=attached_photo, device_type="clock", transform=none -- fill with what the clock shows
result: 3:46
